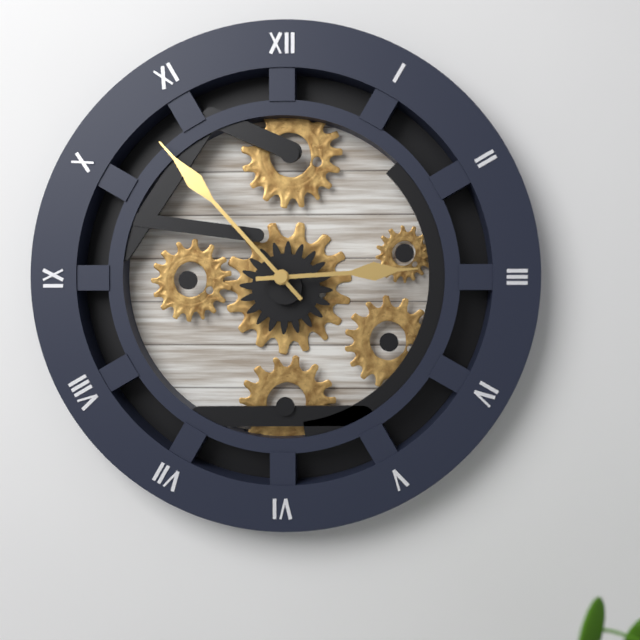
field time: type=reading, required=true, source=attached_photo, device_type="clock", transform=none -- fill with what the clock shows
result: 2:53
